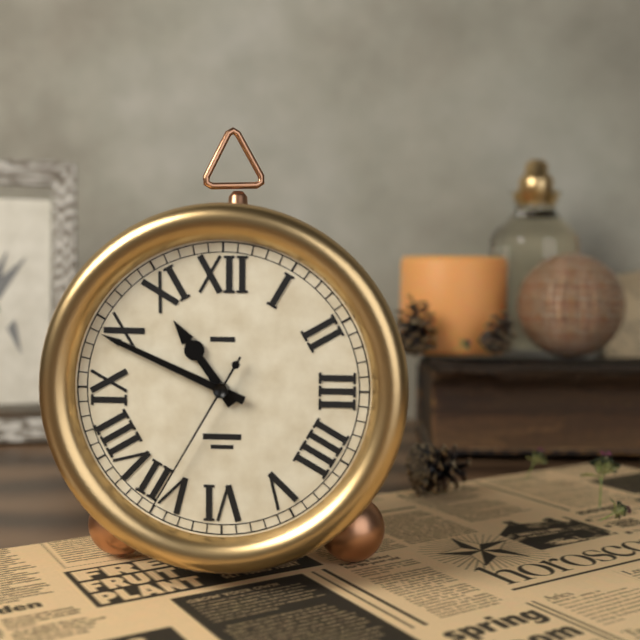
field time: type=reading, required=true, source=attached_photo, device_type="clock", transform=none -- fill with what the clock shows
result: 10:49:35
